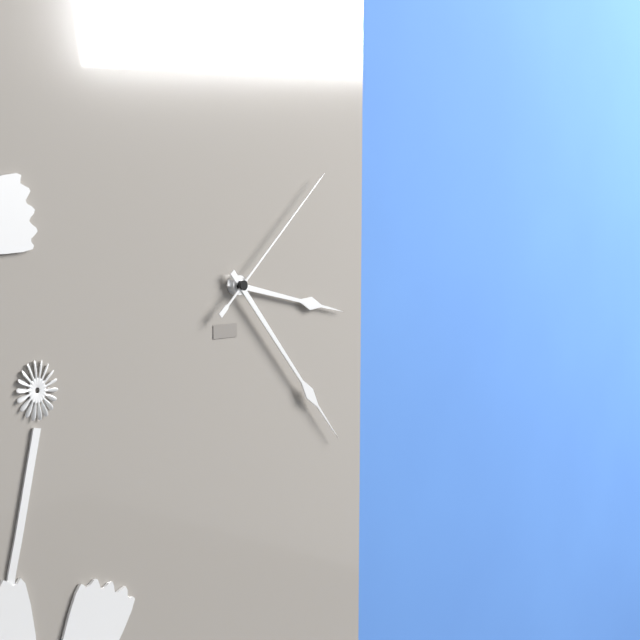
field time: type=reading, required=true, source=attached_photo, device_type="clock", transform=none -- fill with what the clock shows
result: 3:23:08
